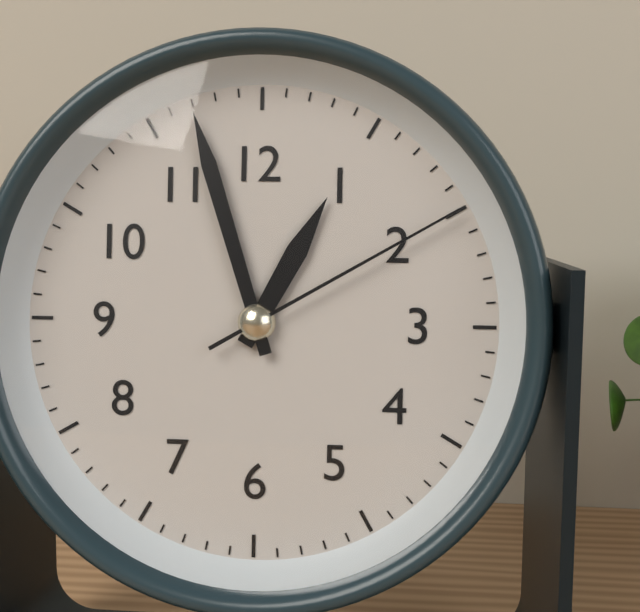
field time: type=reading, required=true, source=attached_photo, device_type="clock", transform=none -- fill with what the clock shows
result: 12:57:10
